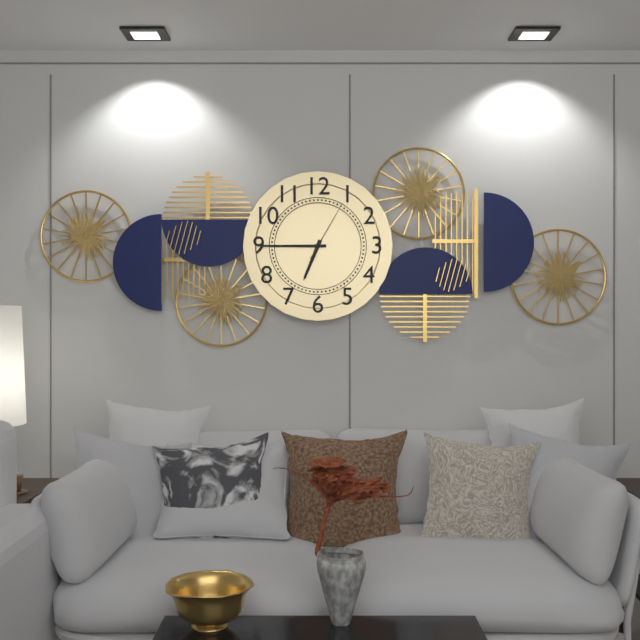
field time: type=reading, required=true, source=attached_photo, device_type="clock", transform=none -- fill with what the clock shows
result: 6:45:05
